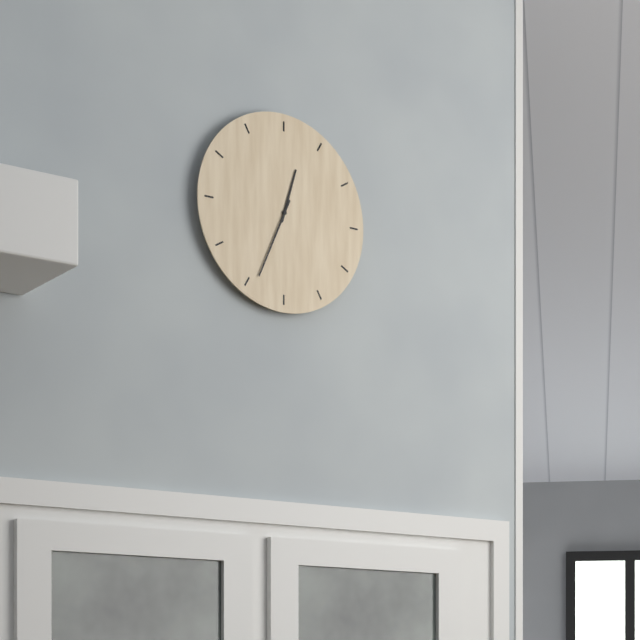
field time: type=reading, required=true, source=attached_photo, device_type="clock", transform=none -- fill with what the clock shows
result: 12:34
